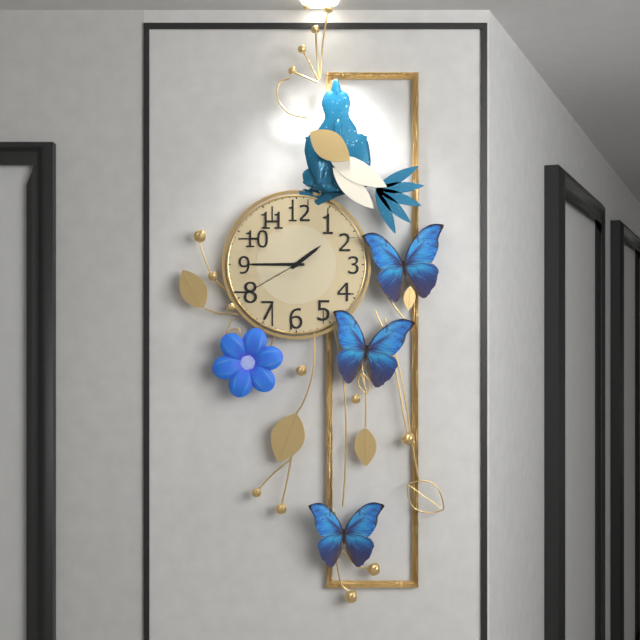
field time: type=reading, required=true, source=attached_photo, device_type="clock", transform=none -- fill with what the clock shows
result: 1:45:40
